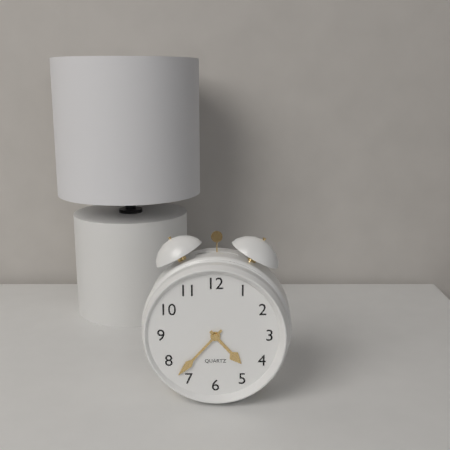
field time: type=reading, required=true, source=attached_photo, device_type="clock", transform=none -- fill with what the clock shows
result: 4:37
